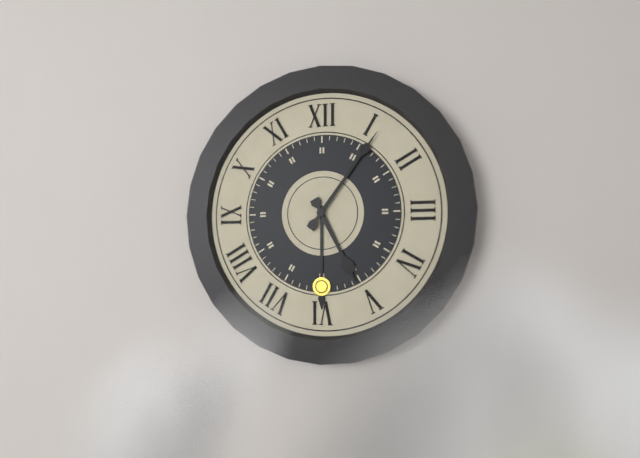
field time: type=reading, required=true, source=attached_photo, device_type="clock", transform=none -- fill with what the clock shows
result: 5:06
